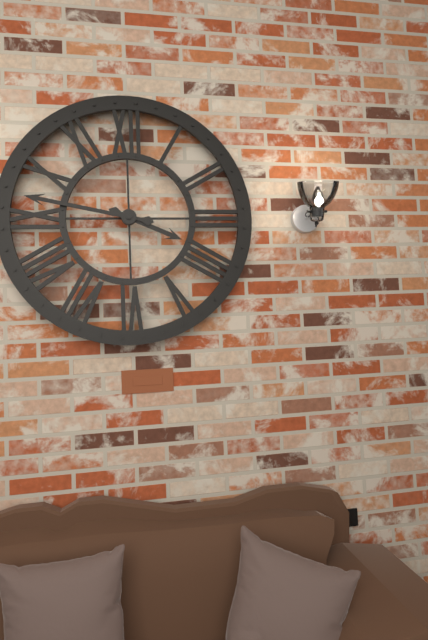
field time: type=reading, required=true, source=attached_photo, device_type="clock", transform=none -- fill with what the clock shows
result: 3:47
